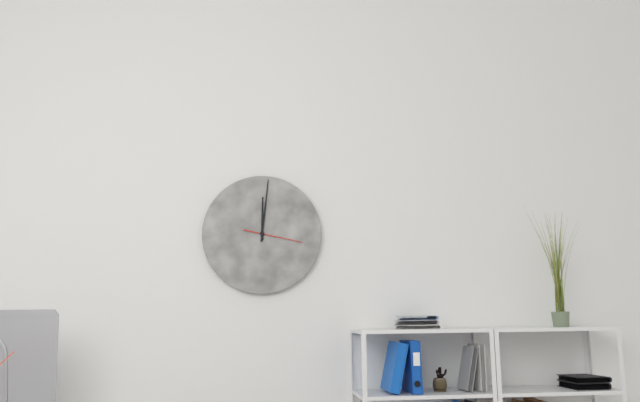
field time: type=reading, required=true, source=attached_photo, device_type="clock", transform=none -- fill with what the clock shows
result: 12:01:17
